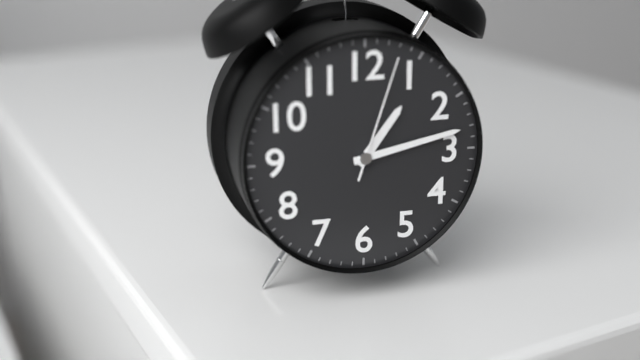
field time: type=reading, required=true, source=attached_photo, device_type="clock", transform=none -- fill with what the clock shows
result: 1:13:03
